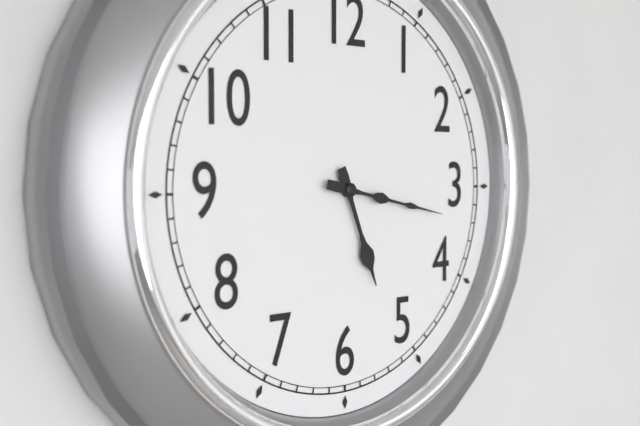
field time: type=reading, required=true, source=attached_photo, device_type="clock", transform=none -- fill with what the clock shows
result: 5:17
